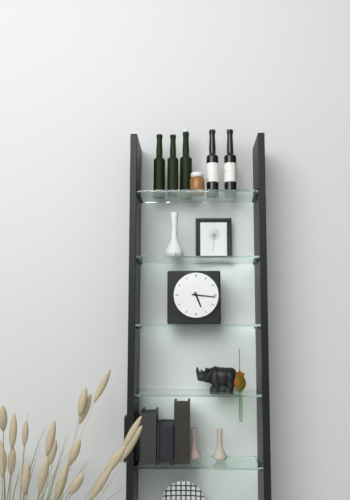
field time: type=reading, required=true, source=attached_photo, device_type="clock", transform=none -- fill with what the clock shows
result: 5:16
